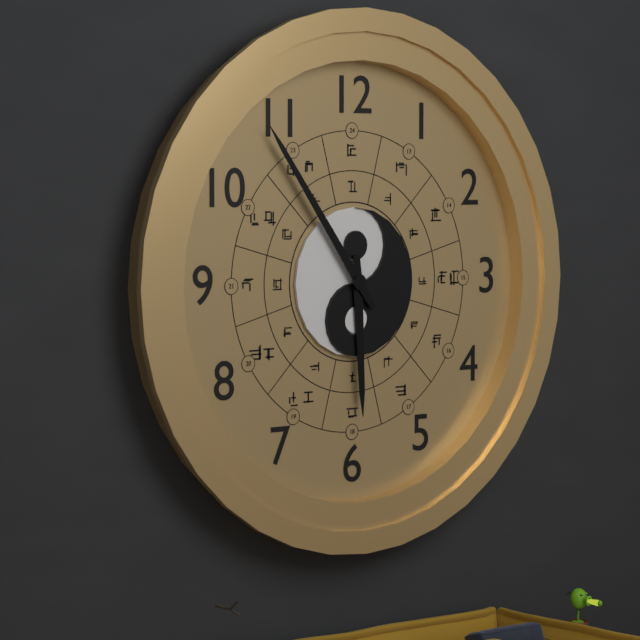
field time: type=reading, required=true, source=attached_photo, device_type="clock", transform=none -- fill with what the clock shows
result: 5:54
